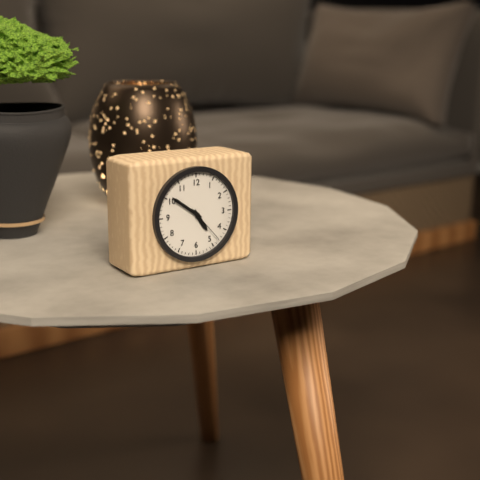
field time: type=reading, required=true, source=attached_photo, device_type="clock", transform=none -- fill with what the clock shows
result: 4:51
